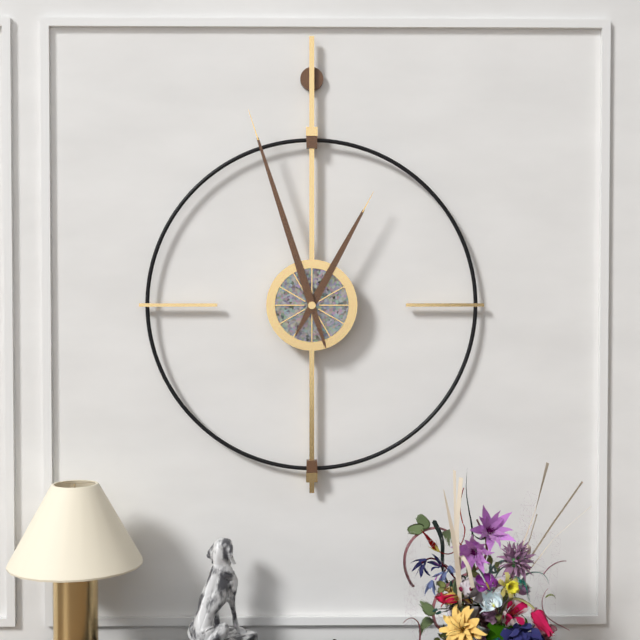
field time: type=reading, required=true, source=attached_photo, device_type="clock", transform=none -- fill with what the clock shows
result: 12:57
